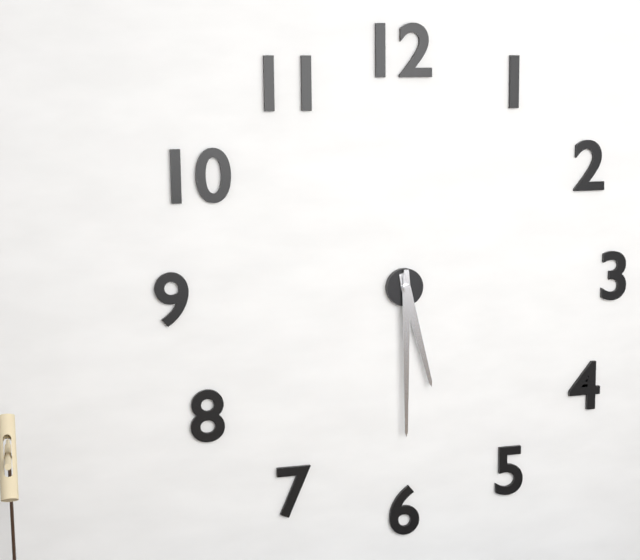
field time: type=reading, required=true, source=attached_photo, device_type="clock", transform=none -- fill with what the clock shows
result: 5:30
